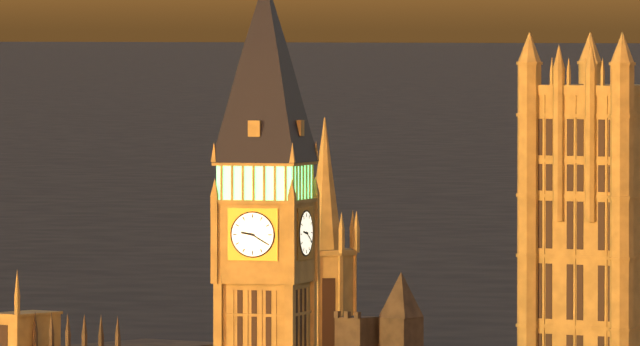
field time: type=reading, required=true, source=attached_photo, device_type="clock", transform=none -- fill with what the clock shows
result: 9:20
